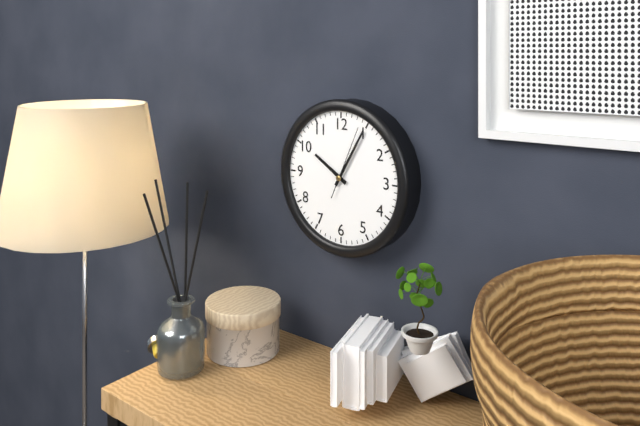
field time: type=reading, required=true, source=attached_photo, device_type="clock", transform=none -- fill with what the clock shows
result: 10:05:04
